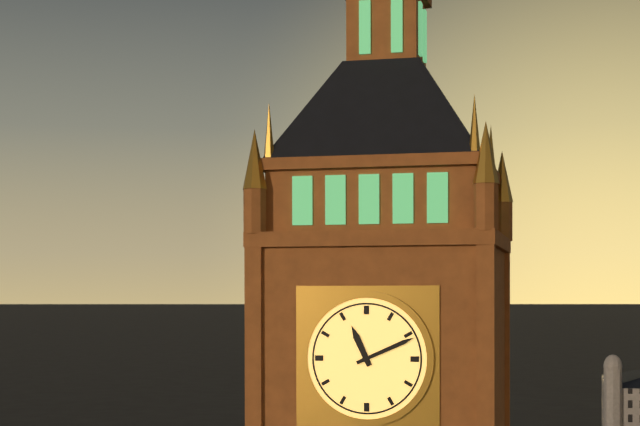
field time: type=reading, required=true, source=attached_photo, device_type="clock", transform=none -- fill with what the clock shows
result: 11:11
